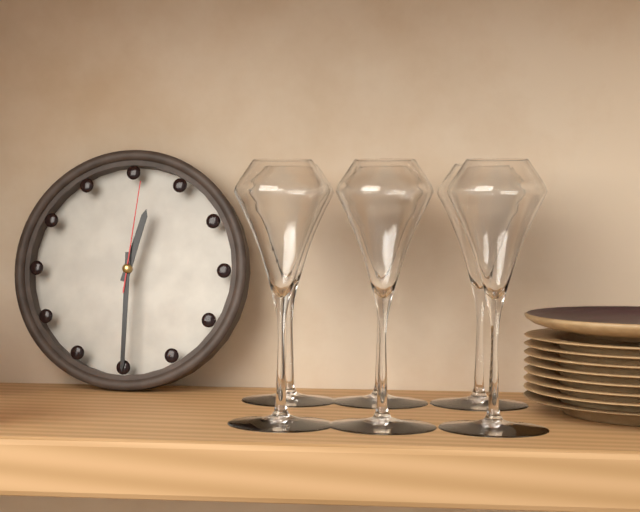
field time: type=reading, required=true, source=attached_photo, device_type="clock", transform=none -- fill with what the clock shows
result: 12:30:01
